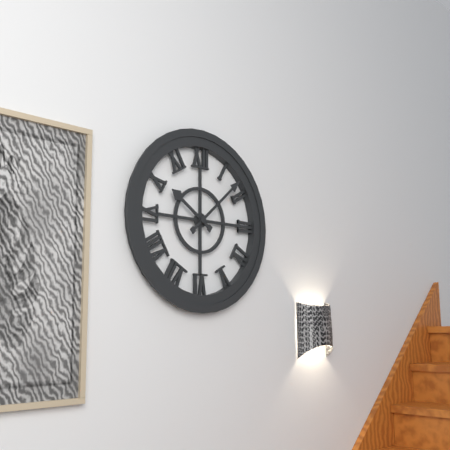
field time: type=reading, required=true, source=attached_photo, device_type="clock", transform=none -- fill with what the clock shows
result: 10:08
